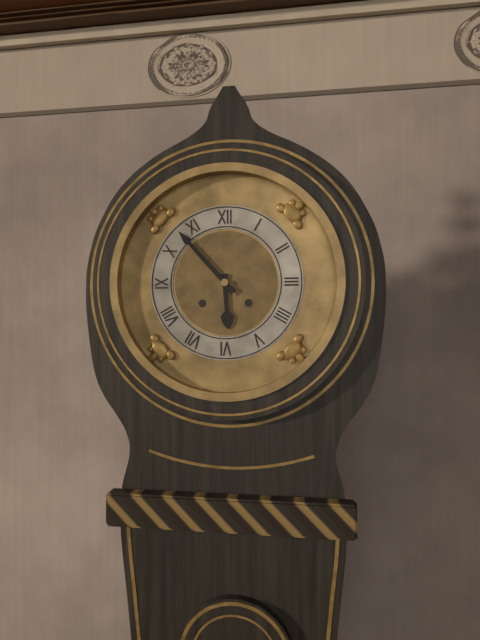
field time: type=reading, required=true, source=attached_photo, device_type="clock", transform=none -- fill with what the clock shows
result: 5:53
